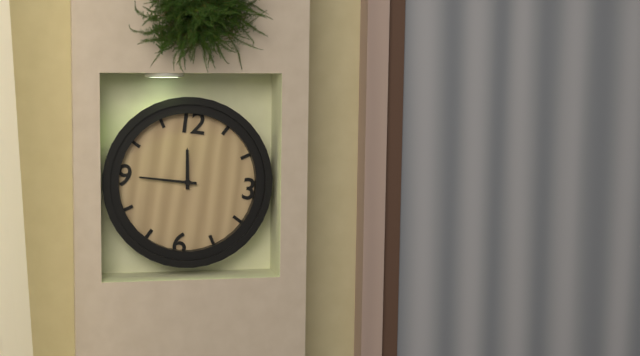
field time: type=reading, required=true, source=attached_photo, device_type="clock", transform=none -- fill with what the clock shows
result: 11:45
